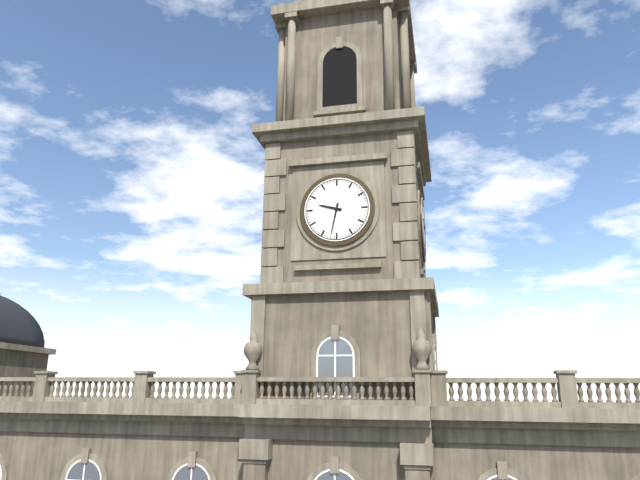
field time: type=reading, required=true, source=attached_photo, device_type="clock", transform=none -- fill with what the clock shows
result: 9:32
